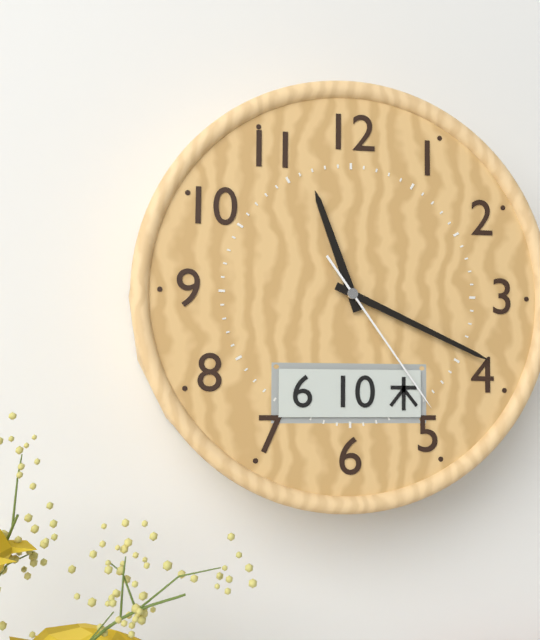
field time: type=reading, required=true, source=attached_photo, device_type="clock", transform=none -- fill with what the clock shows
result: 11:19:24
